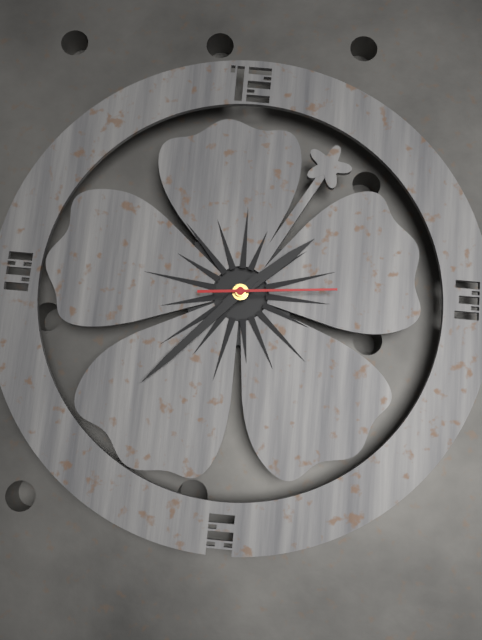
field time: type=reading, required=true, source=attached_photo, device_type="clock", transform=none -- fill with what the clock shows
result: 1:37:14
